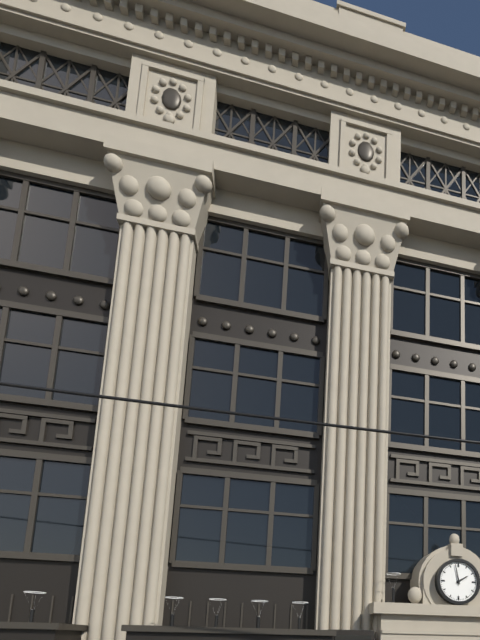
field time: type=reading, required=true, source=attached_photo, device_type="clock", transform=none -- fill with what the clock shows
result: 1:58
